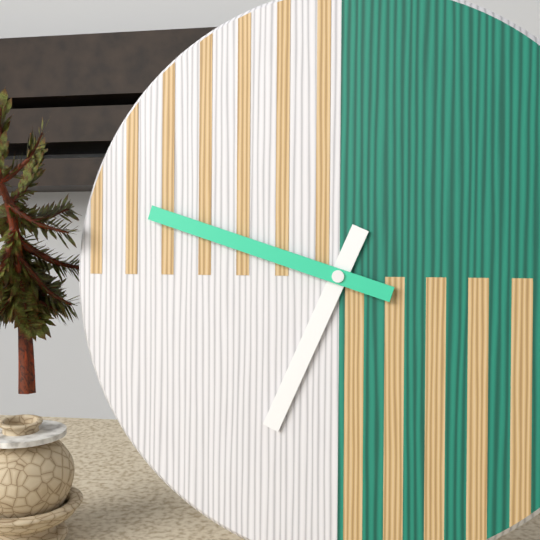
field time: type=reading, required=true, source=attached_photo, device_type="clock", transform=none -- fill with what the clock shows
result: 6:48
